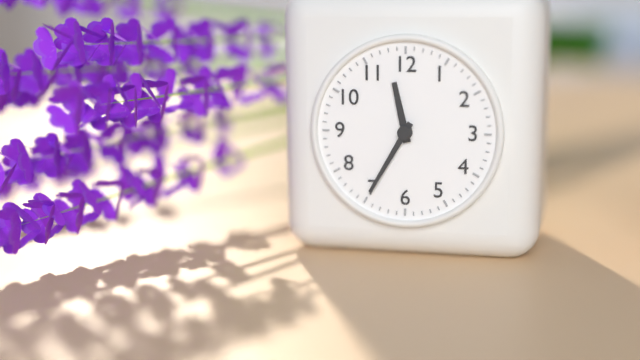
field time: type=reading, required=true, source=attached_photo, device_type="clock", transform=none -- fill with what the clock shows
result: 11:35
